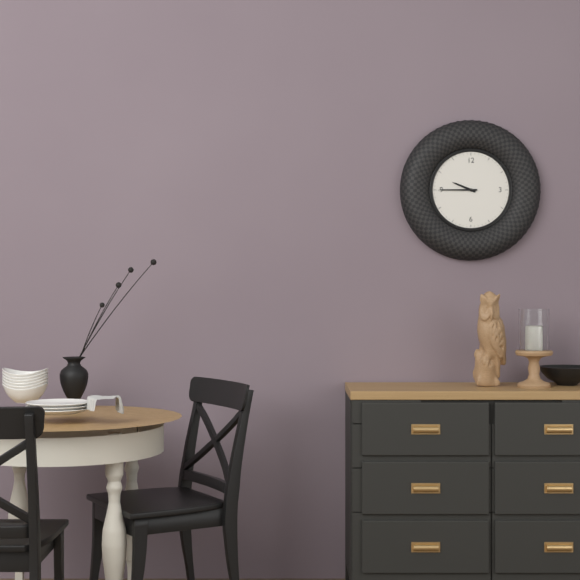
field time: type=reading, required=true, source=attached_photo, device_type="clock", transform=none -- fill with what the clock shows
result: 9:45
